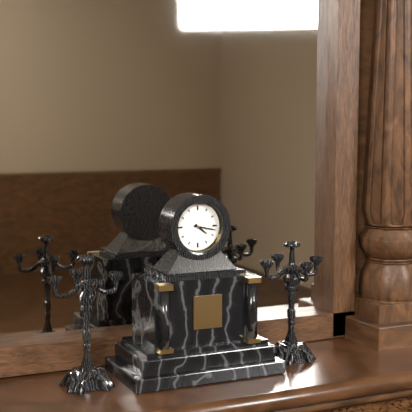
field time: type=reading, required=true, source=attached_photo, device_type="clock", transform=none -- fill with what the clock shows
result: 4:17
